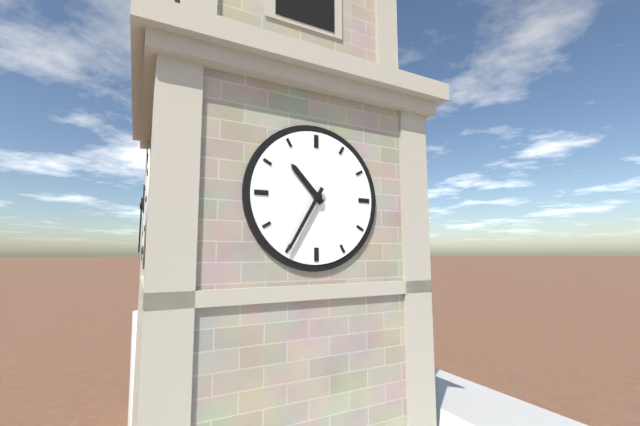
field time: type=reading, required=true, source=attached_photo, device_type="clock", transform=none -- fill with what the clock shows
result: 10:35
